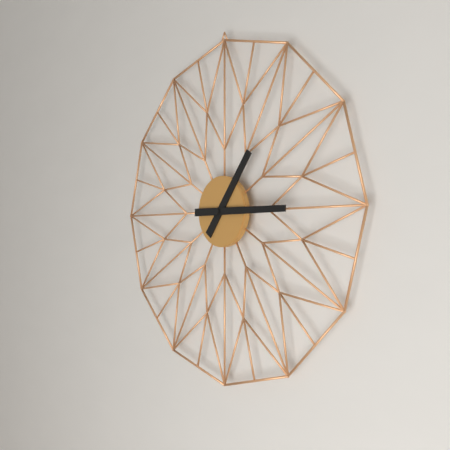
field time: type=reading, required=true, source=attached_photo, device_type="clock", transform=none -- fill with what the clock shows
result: 1:15
